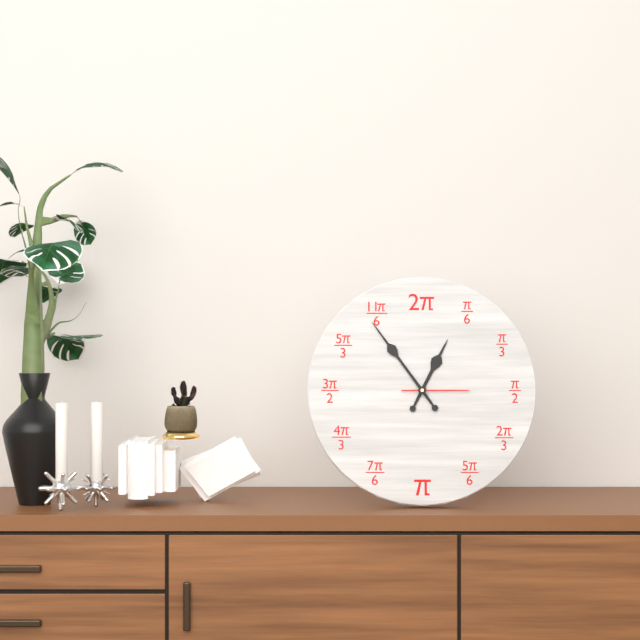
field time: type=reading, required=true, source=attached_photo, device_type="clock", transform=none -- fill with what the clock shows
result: 12:54:15
